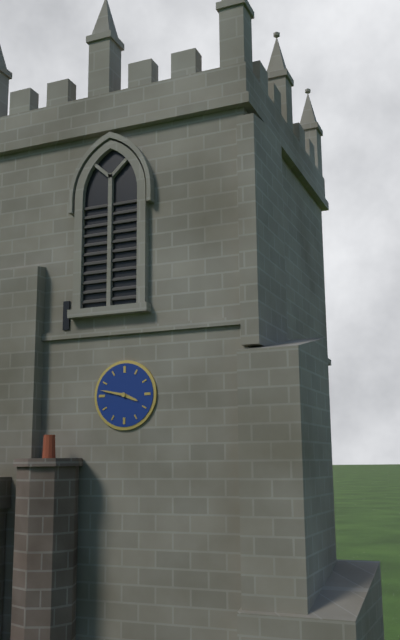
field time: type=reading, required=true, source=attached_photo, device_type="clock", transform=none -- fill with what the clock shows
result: 3:47
